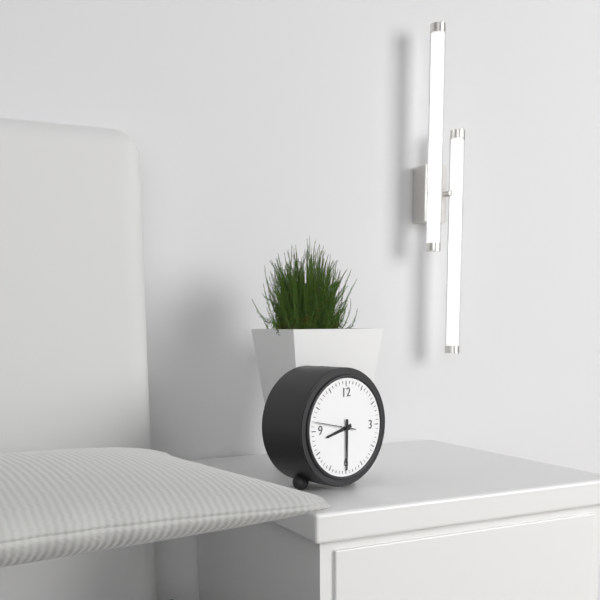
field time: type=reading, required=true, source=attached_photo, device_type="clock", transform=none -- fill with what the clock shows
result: 8:30
